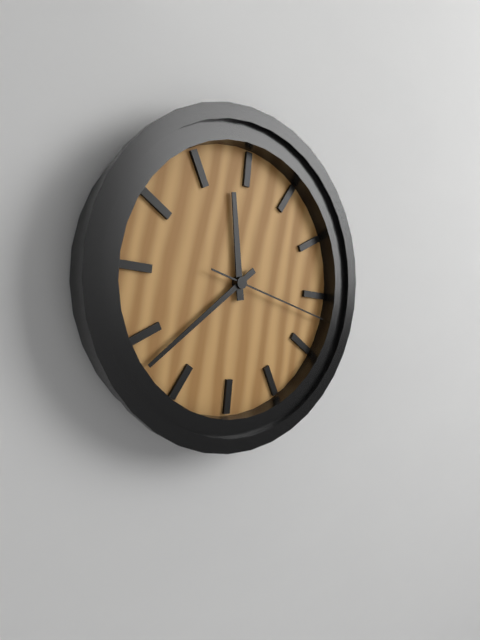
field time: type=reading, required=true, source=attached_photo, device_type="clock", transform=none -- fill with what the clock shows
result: 11:38:17
